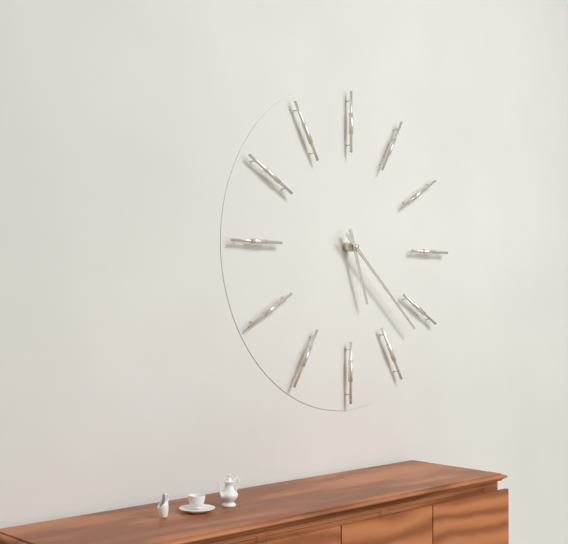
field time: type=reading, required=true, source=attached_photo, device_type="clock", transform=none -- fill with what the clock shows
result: 5:22
